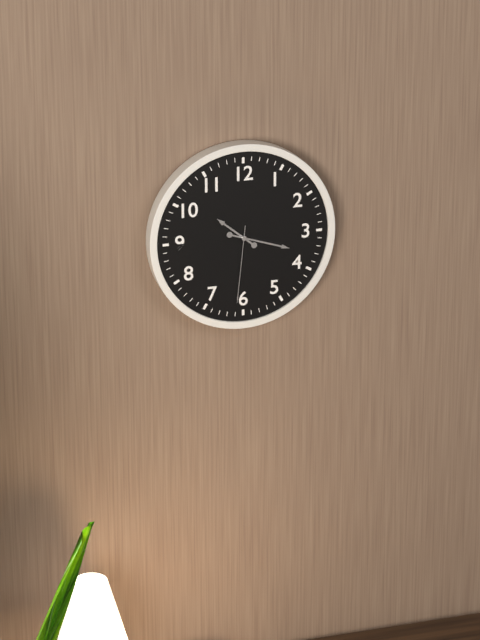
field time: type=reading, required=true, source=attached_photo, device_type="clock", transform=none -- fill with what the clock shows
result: 10:18:31
